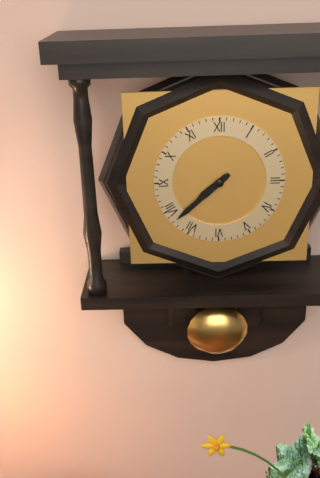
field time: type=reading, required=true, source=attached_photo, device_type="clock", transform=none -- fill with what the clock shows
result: 7:38
